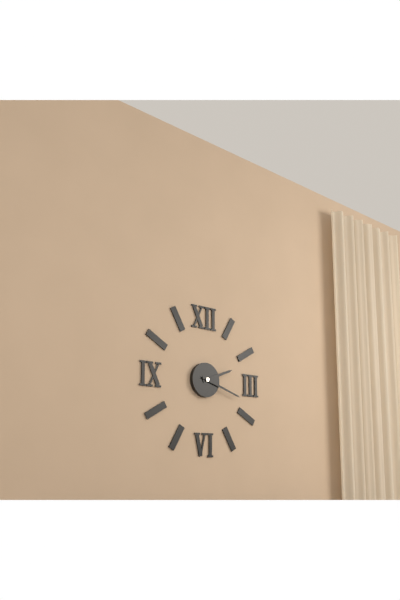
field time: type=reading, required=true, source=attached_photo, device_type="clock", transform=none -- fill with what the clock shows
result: 2:18
